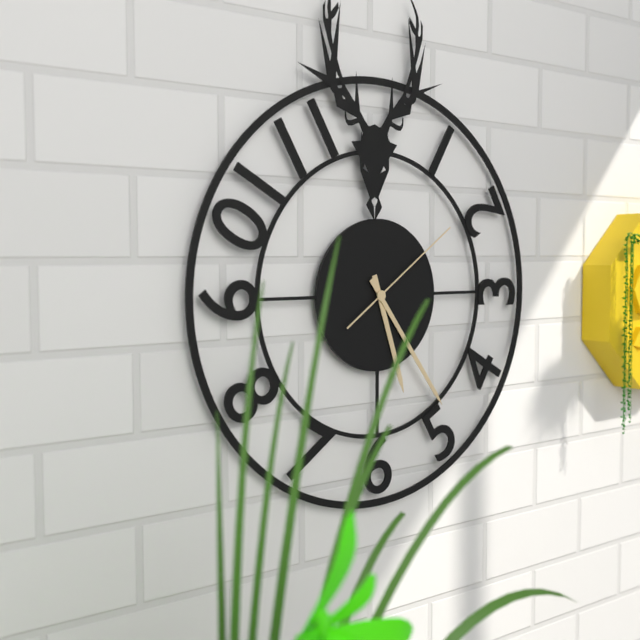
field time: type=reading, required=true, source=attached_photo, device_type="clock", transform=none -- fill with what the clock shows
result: 5:24:09
